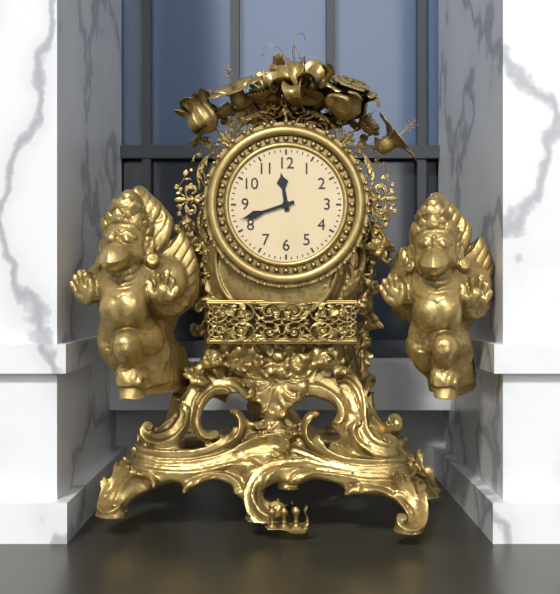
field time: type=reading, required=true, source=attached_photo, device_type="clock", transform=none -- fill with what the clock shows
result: 11:42
